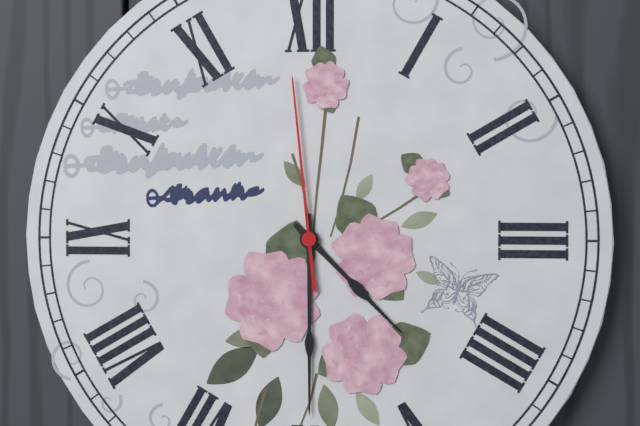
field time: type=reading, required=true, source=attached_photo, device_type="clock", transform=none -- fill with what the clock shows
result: 4:30:59
